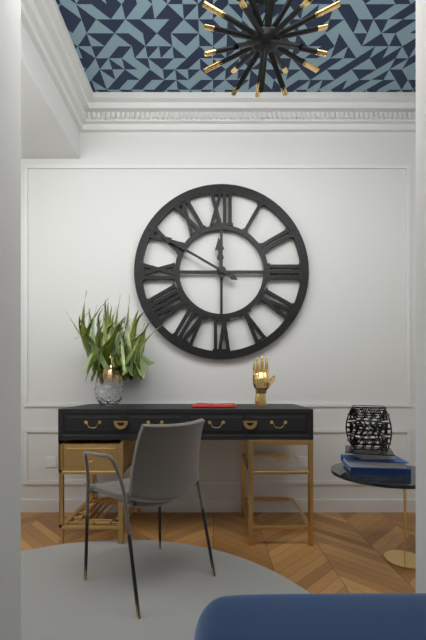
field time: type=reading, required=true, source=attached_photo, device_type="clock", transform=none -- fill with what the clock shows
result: 11:50
